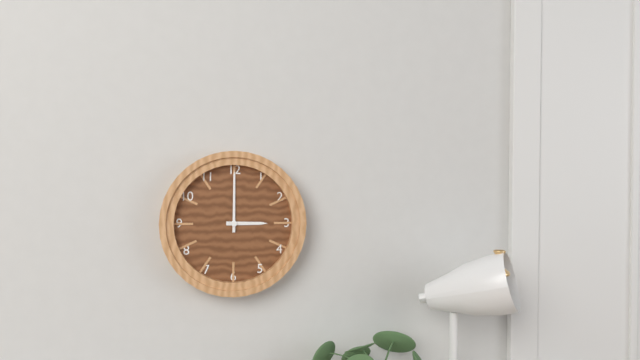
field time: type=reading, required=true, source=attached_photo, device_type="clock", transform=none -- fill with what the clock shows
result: 3:00
